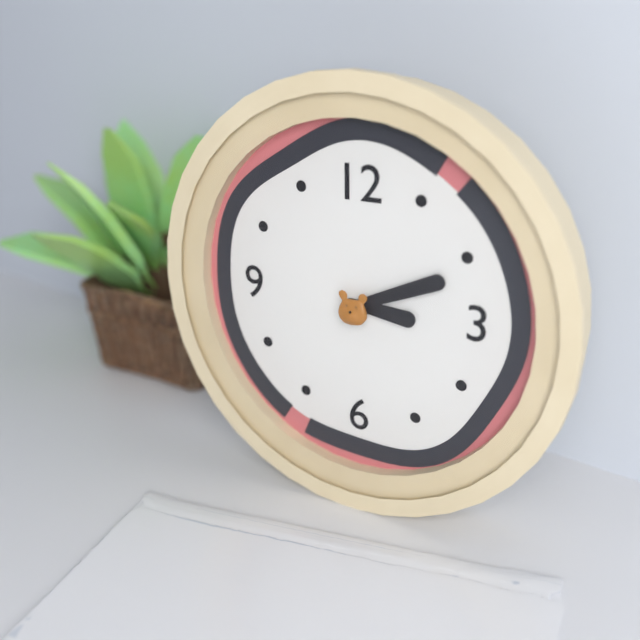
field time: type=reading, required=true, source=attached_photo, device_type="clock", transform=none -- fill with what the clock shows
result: 3:11
